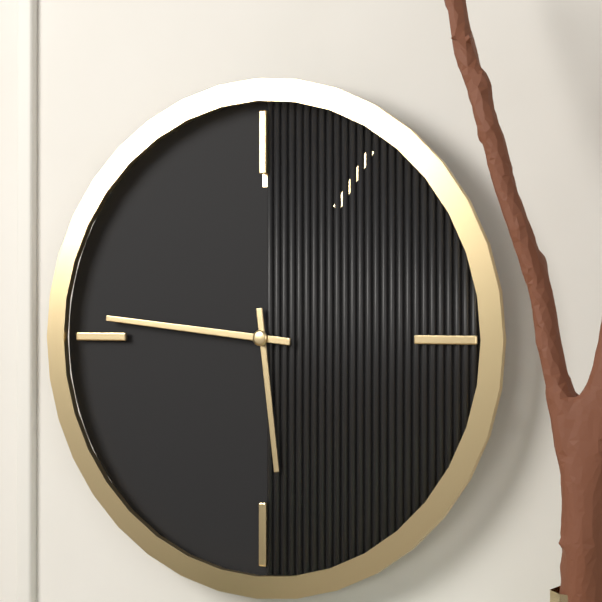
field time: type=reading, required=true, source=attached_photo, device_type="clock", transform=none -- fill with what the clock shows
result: 5:46
